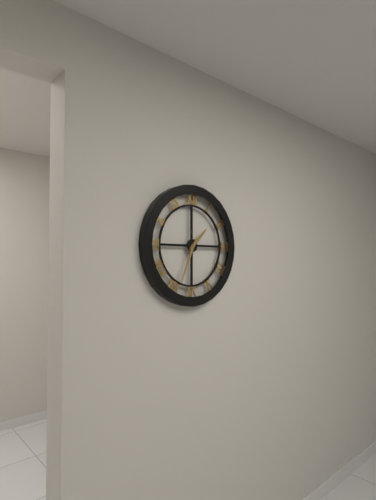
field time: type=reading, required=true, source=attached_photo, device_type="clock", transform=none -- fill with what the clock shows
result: 1:34
